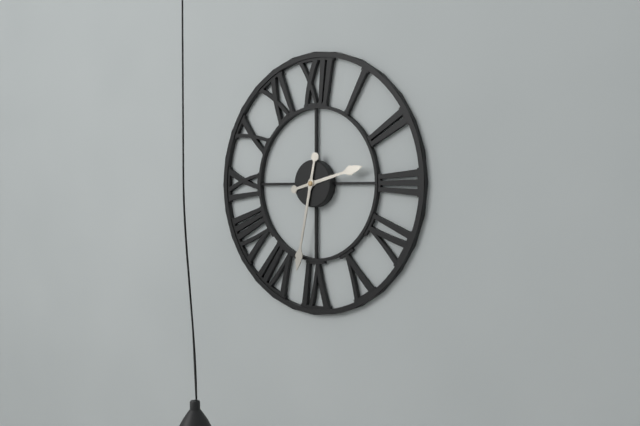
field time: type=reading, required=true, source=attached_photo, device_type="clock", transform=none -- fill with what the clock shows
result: 2:32
